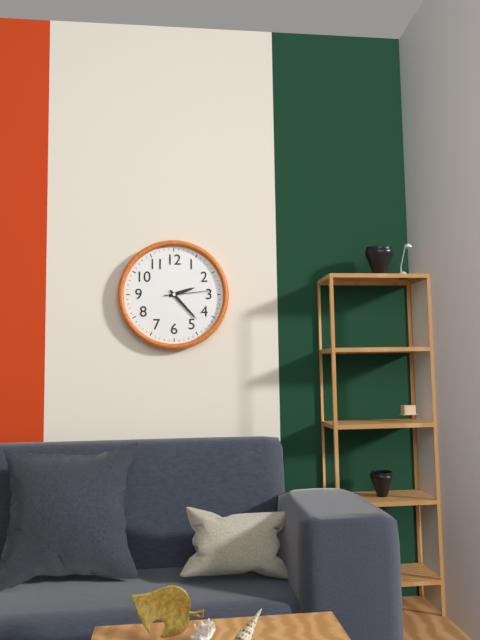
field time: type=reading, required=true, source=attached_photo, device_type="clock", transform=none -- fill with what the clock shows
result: 2:23
